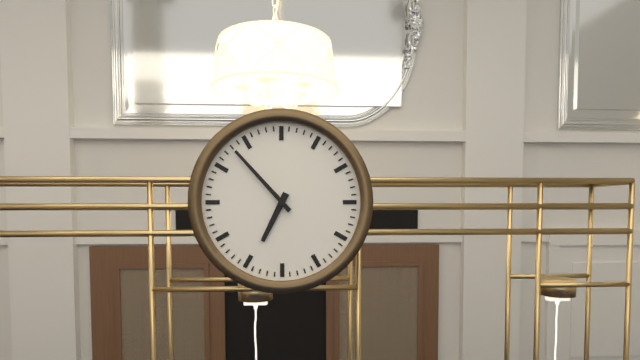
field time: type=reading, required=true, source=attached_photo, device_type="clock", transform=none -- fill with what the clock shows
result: 6:53
